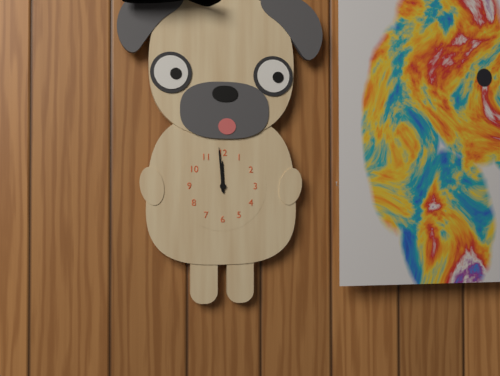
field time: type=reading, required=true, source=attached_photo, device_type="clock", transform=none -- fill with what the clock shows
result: 11:59
